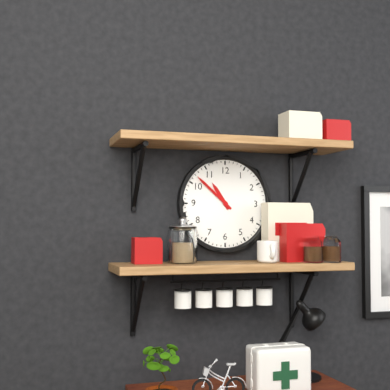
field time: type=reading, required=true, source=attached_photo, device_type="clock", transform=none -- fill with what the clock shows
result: 10:52
